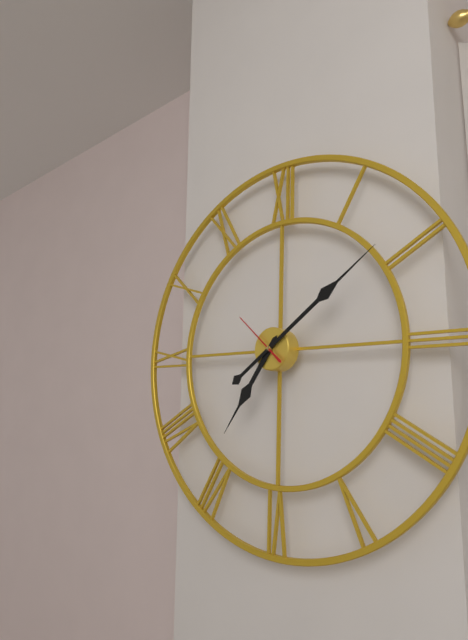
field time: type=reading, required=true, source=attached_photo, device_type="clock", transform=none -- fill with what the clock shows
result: 7:09:52
